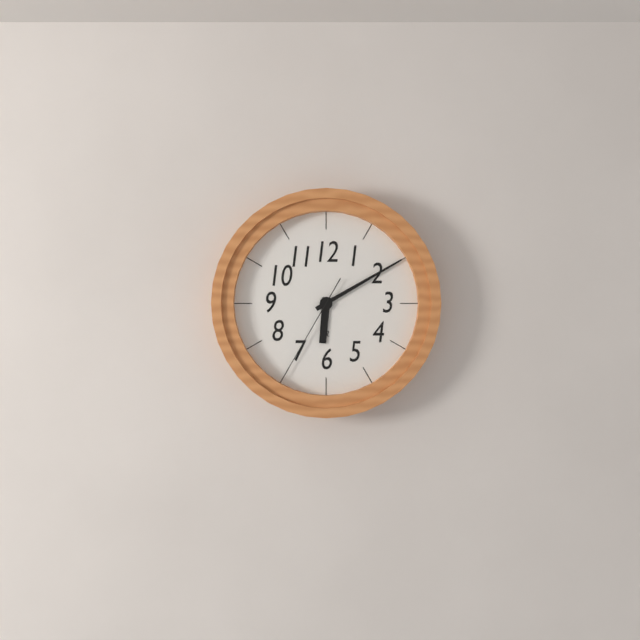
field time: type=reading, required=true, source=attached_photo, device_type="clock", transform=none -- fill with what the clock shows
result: 6:10:35
